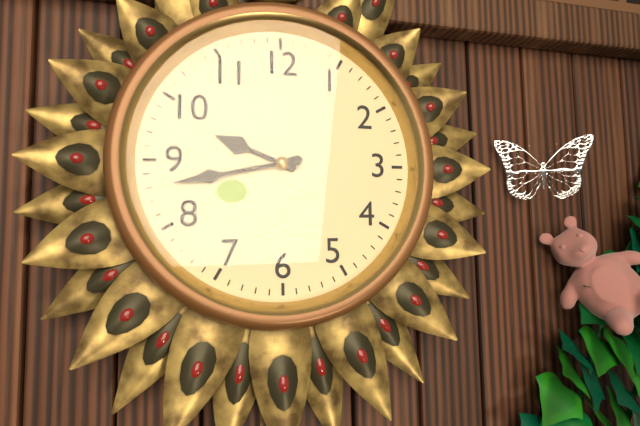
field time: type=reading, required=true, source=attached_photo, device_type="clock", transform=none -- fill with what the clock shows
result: 9:43
